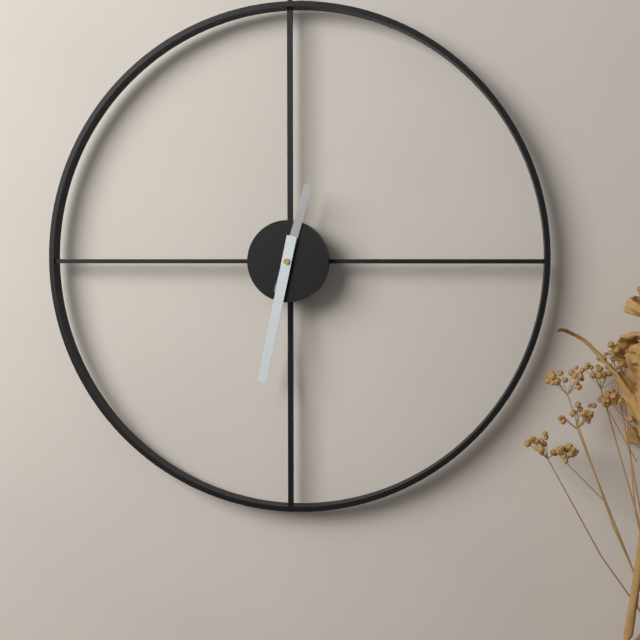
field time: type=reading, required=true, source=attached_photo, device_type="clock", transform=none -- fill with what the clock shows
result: 12:32
